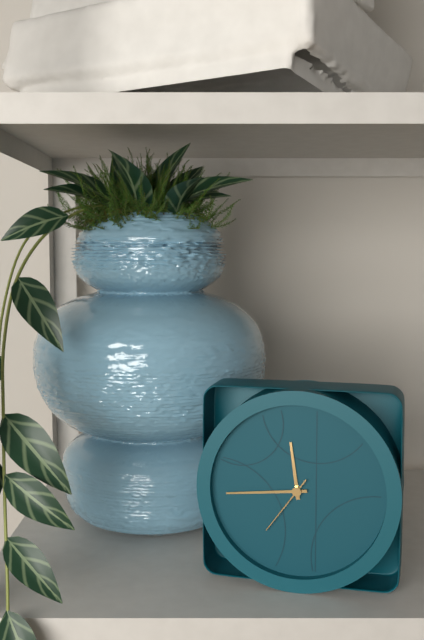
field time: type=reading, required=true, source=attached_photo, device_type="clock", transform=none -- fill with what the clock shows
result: 11:44:36
